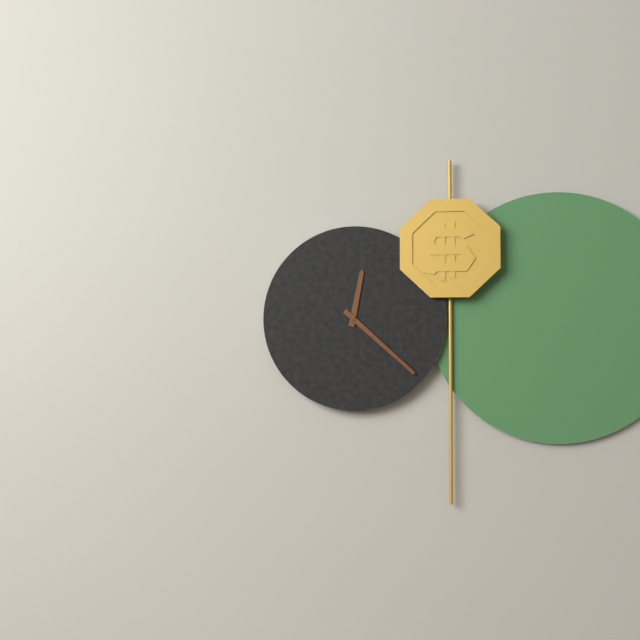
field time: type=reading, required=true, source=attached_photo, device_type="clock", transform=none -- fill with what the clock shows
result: 12:22
